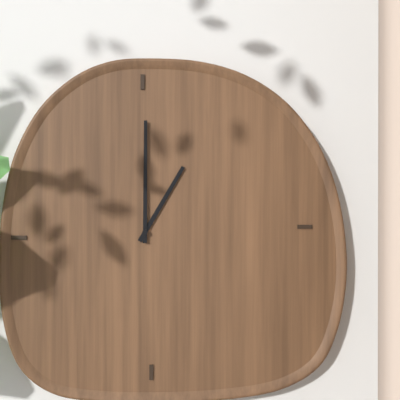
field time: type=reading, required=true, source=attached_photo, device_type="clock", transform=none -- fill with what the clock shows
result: 1:00
